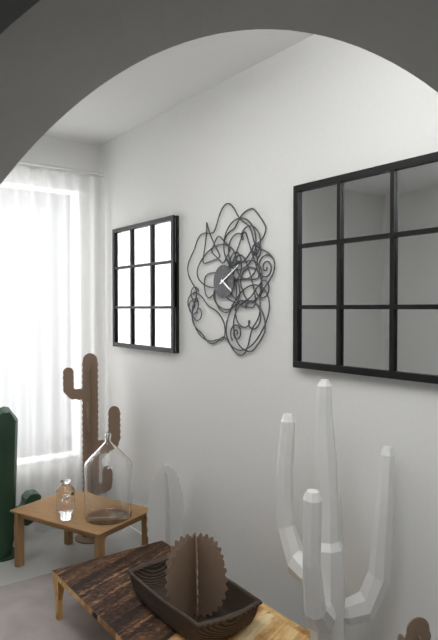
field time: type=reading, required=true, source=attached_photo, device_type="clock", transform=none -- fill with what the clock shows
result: 4:10
